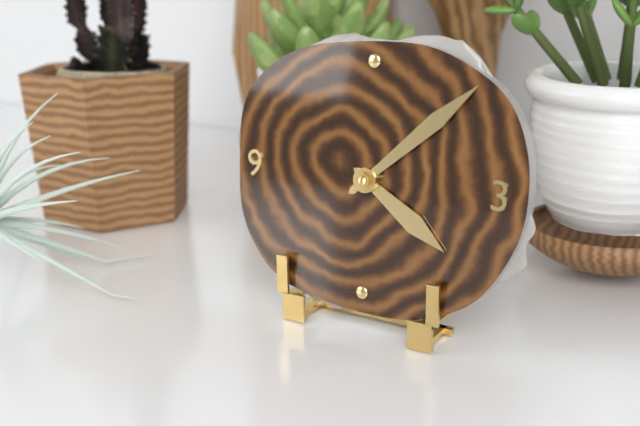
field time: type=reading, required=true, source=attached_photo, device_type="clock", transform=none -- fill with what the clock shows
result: 4:08
